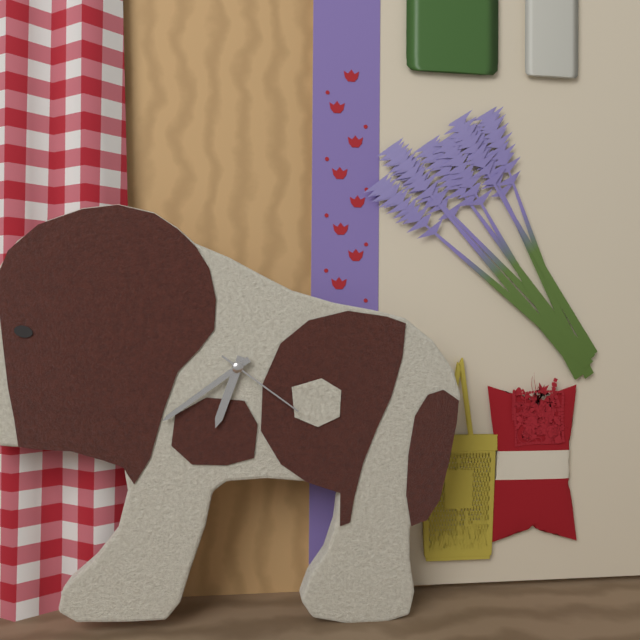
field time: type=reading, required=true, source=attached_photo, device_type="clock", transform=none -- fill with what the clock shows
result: 6:39:21
